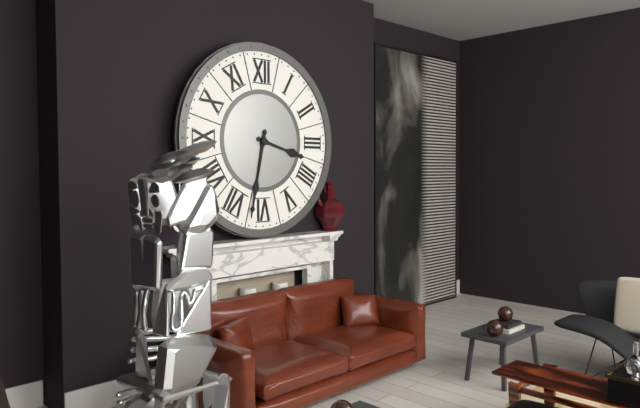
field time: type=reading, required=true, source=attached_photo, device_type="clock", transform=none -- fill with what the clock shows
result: 3:32
